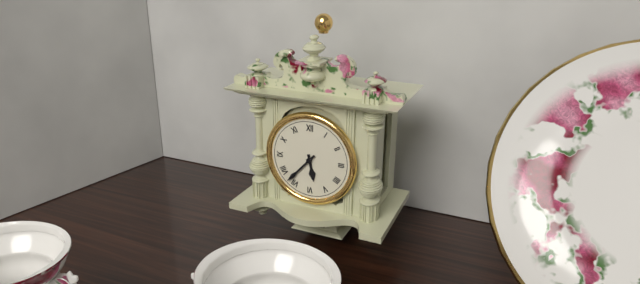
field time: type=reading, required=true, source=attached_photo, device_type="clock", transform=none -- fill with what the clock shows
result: 5:37
